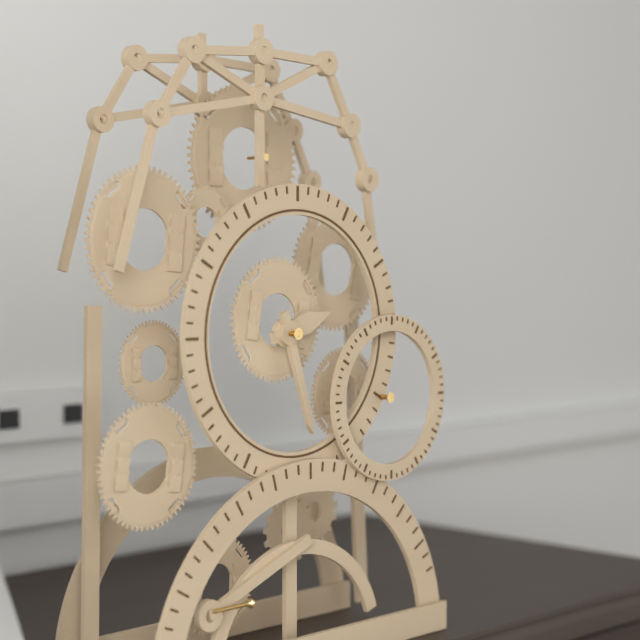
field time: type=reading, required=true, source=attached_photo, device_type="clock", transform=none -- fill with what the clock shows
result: 2:27
